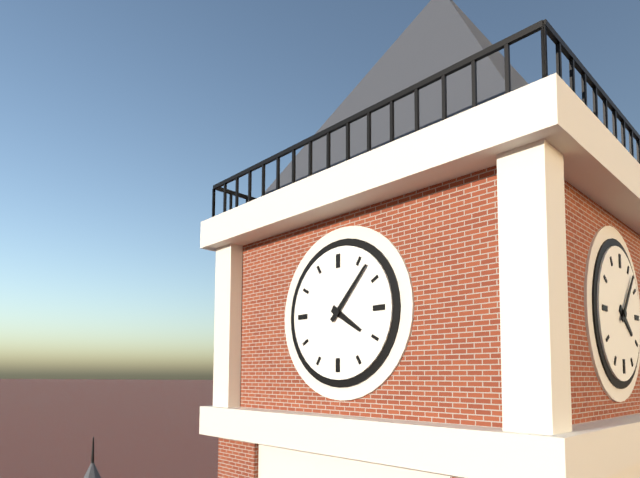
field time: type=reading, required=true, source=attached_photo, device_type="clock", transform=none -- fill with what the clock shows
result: 4:07
